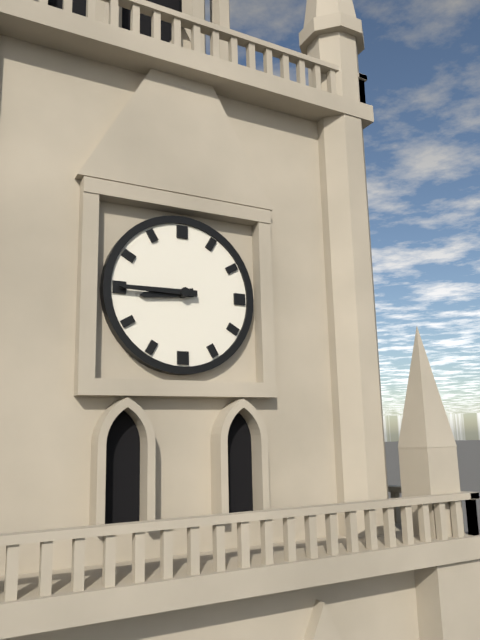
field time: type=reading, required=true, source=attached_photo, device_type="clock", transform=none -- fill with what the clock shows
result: 8:45
